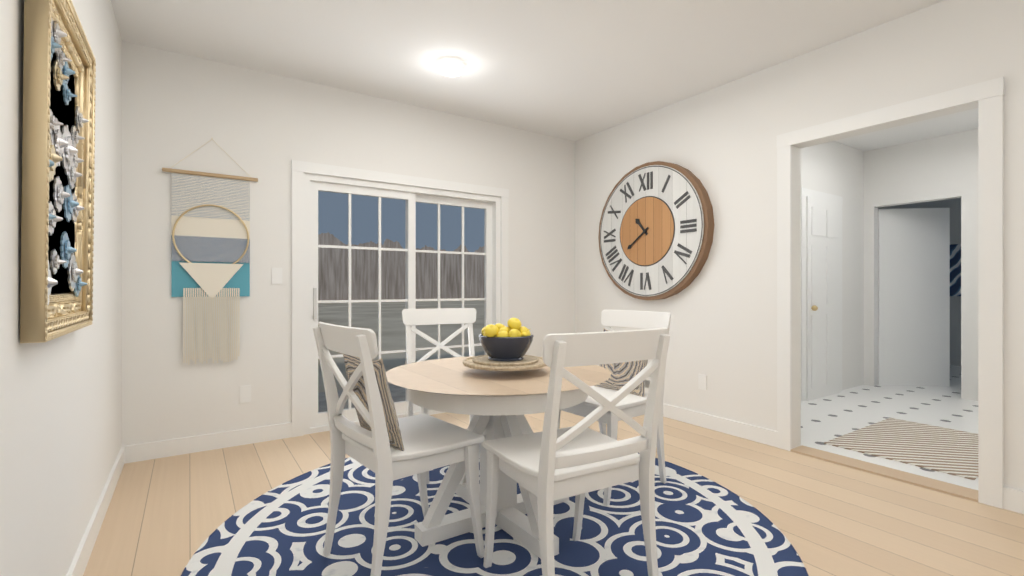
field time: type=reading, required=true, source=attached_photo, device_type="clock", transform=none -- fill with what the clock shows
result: 10:39
